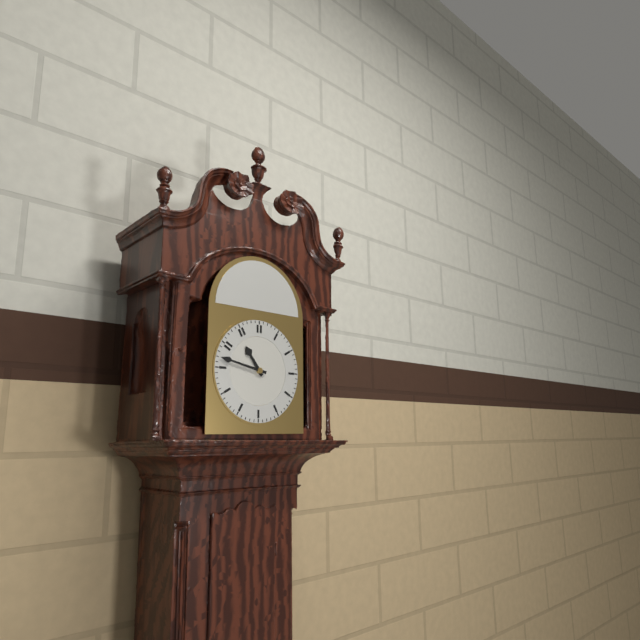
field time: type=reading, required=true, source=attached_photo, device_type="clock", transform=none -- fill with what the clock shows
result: 10:47
